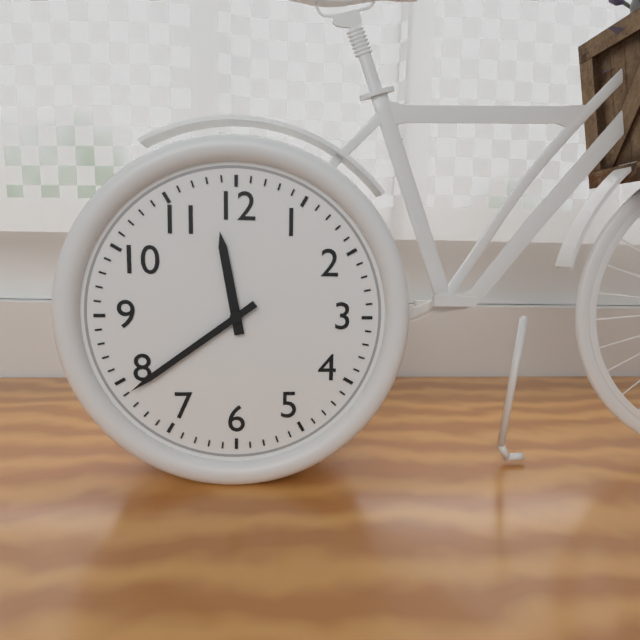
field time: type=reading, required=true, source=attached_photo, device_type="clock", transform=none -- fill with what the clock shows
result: 11:39
